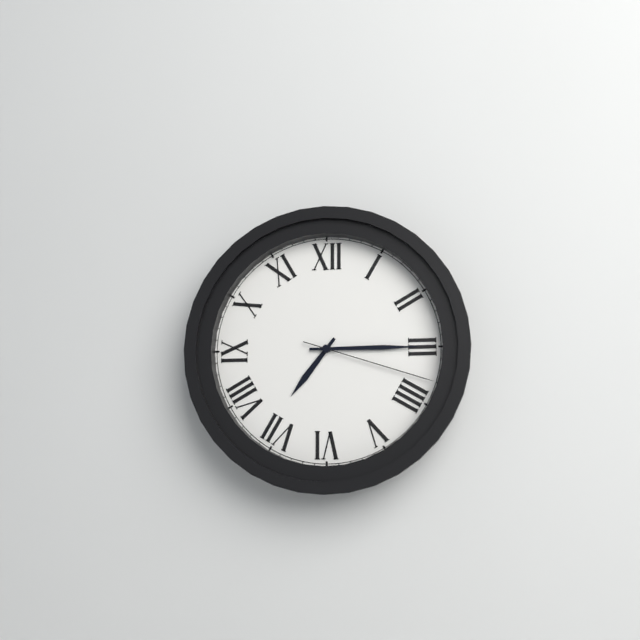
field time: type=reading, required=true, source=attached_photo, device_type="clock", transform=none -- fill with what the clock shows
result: 7:15:18
